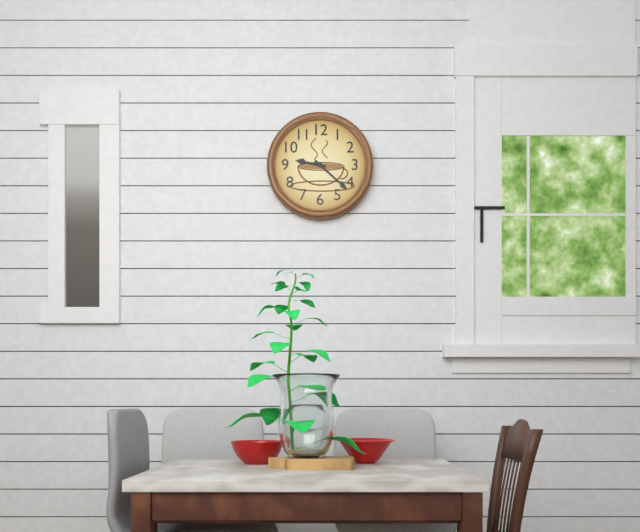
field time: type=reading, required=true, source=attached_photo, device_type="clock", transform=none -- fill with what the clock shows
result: 9:22
